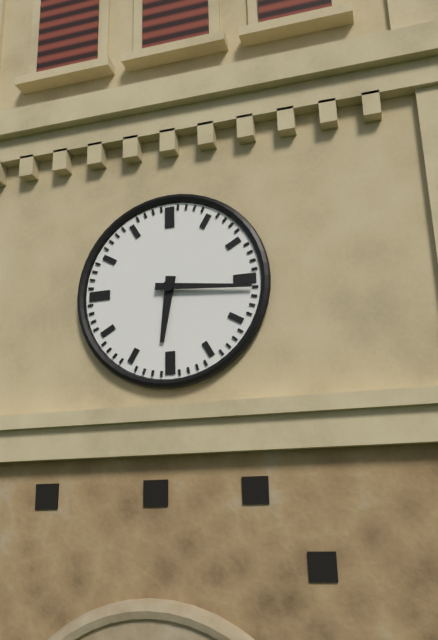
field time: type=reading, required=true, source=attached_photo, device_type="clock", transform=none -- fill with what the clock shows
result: 6:16
